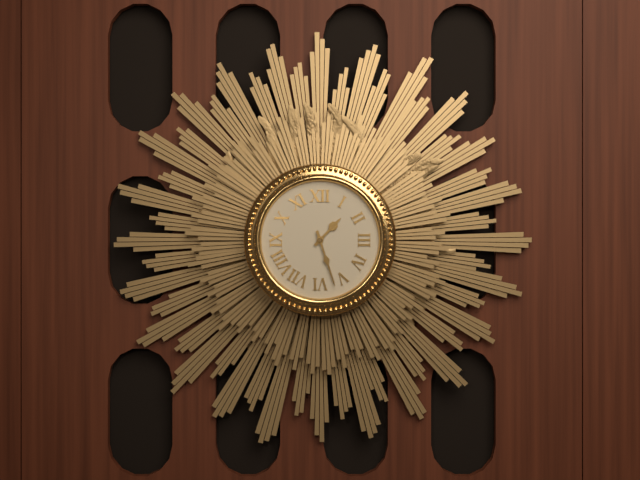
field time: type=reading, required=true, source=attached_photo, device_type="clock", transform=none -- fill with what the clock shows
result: 1:27
